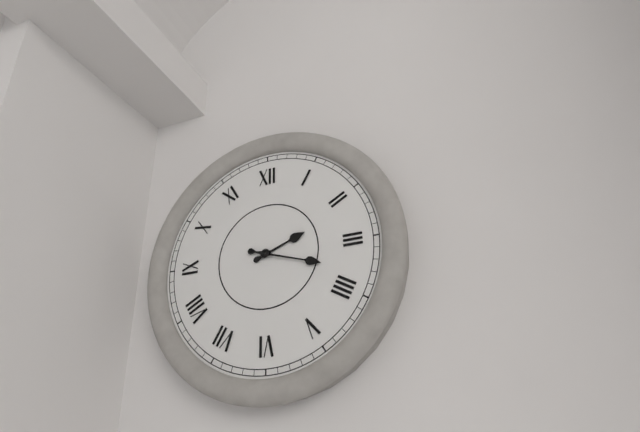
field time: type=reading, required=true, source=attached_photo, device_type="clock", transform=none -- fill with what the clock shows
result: 2:18
